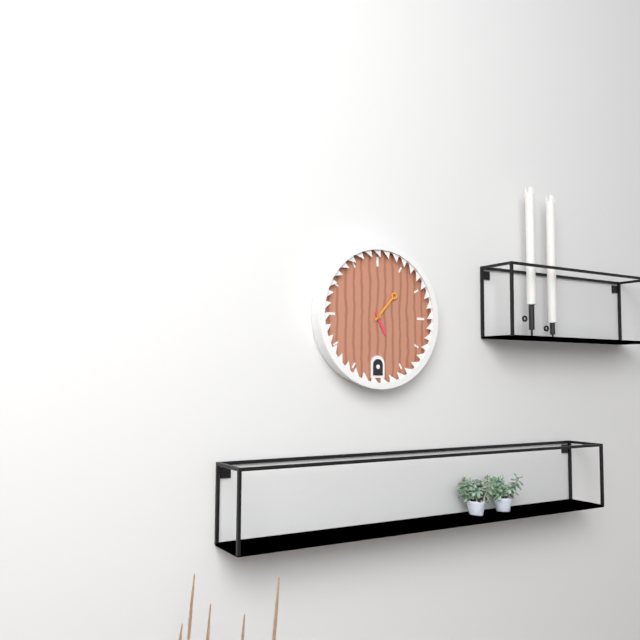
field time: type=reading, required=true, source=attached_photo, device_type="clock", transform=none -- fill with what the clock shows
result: 5:07
